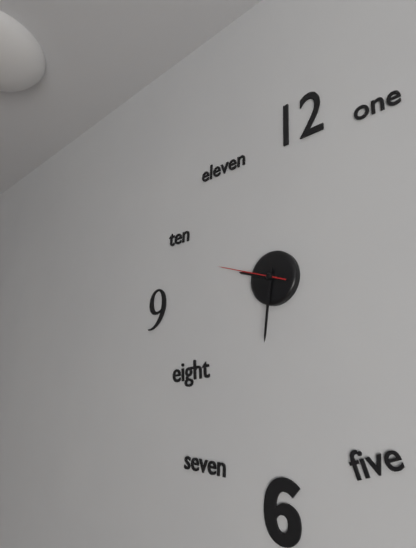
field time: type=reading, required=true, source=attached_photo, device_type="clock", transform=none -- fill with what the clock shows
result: 9:31:48
